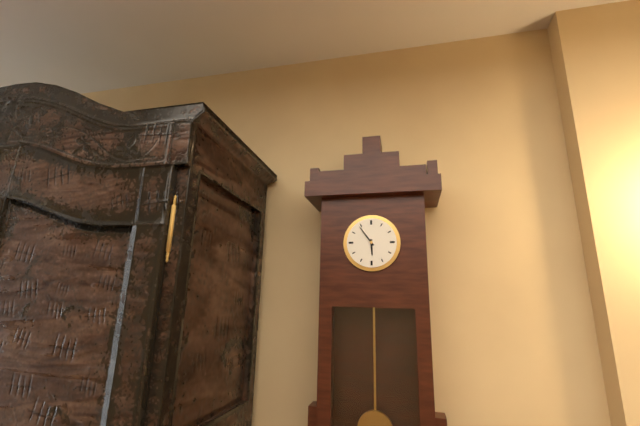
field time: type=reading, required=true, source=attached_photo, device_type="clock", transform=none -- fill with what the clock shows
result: 5:54
